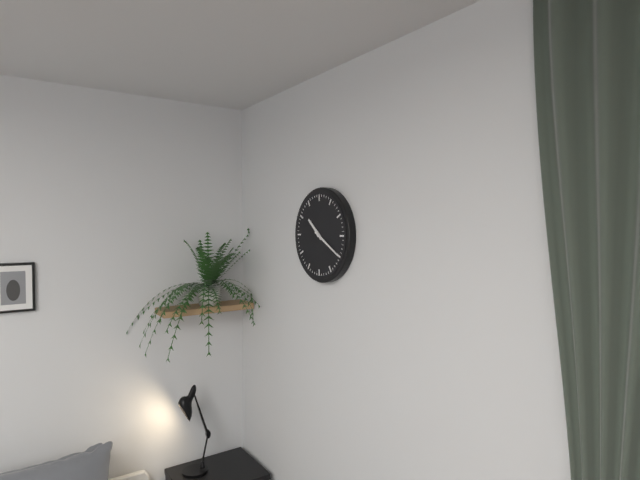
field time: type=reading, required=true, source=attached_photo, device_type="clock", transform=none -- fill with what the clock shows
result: 10:20
